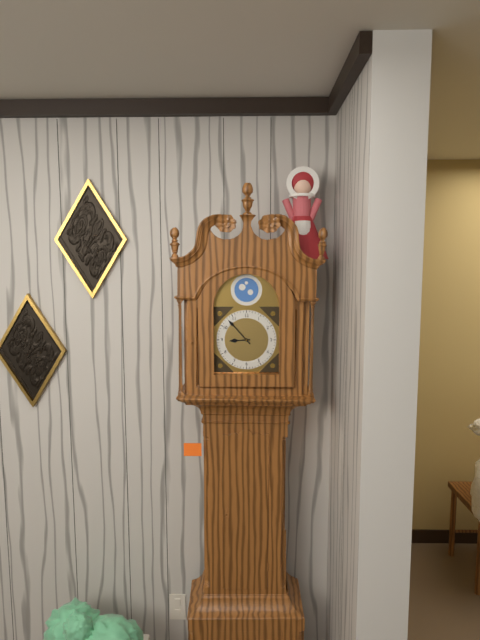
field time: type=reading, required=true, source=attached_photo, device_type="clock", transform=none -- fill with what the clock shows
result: 8:53
